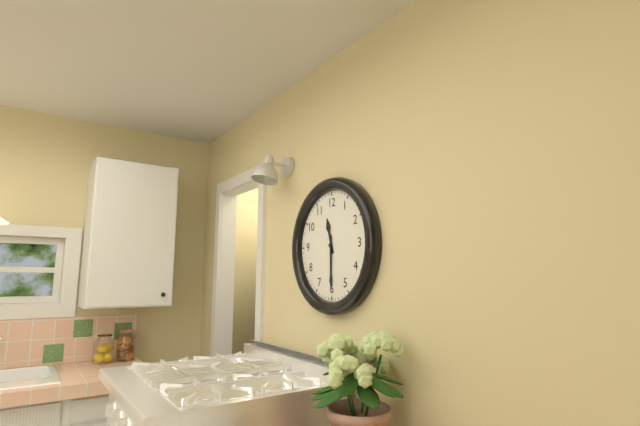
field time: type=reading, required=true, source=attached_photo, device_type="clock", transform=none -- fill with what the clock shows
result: 11:30
